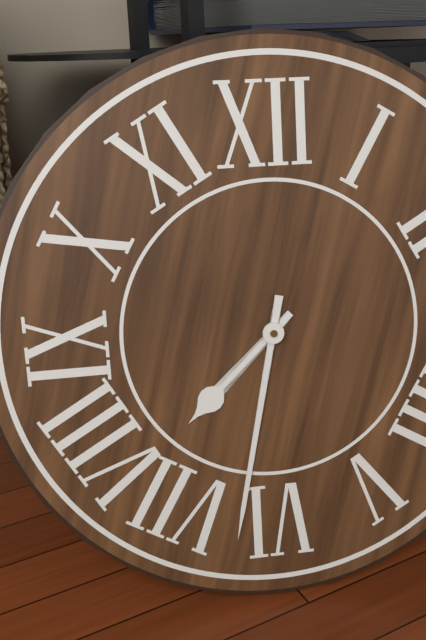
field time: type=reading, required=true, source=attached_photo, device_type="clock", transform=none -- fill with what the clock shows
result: 7:32
